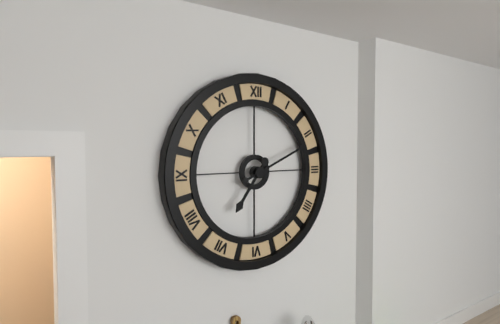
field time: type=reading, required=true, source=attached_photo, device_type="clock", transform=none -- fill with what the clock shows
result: 7:11
